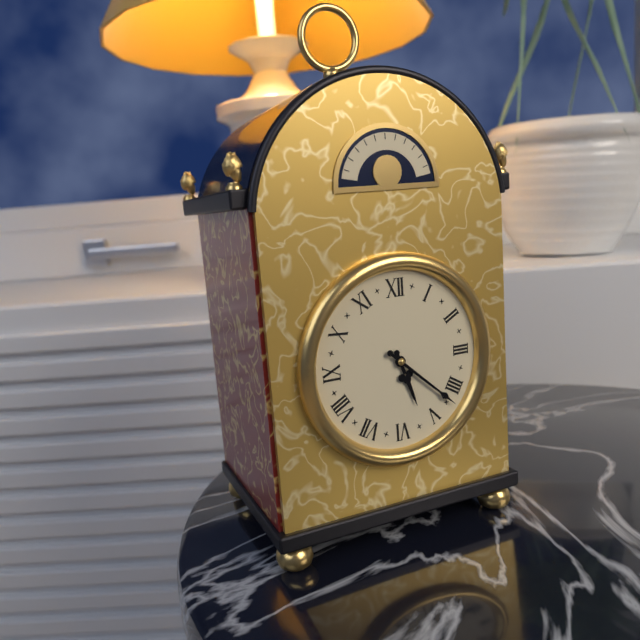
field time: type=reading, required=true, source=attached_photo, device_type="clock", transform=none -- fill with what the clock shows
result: 5:22
